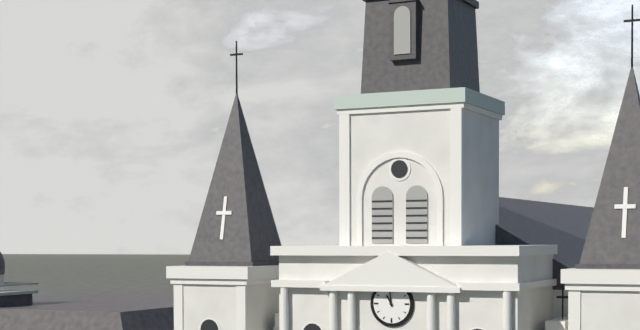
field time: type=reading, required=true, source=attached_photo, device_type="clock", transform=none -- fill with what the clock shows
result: 10:59
